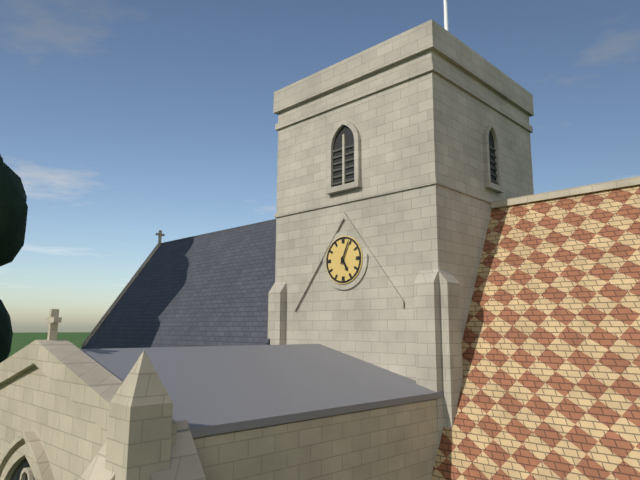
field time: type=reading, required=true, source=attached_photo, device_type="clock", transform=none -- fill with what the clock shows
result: 5:04
